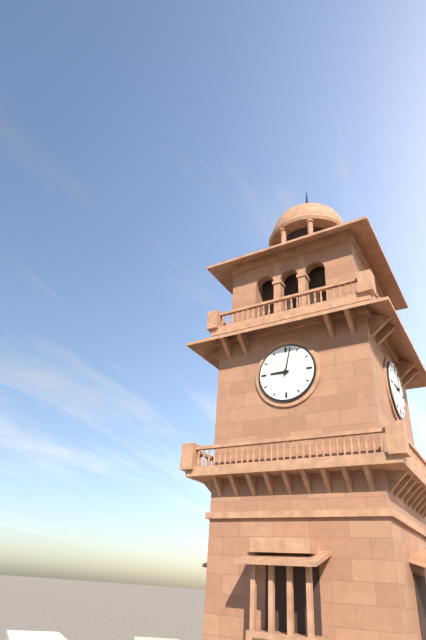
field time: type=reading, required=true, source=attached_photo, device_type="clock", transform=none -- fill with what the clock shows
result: 9:02
